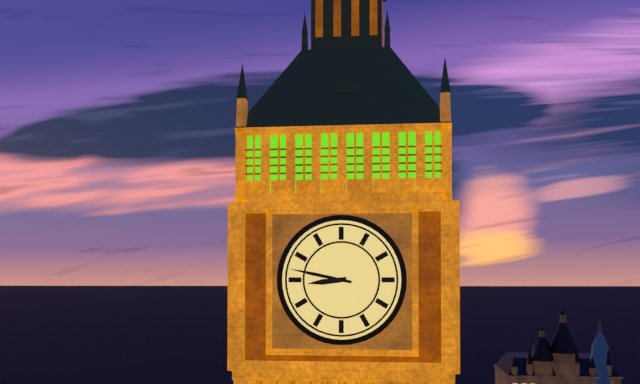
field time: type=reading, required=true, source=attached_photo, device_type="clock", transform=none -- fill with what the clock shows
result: 8:47
